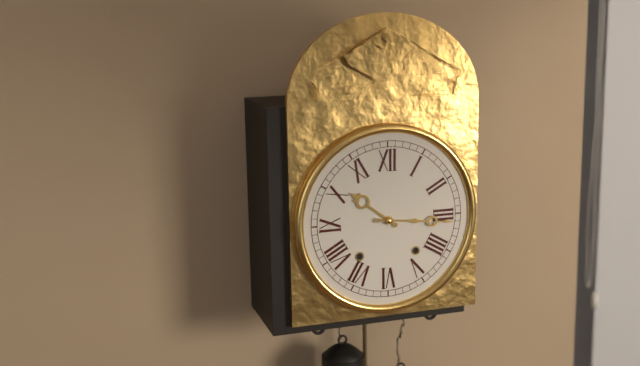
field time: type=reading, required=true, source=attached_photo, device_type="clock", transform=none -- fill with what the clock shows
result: 10:16
